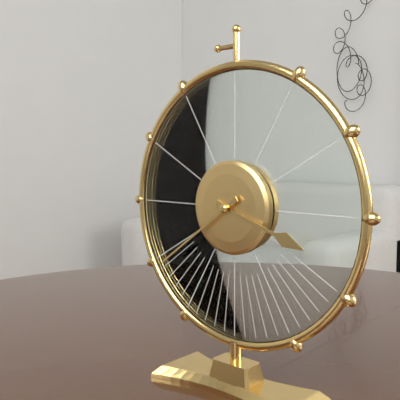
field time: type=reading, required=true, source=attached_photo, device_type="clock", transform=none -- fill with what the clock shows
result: 3:39
